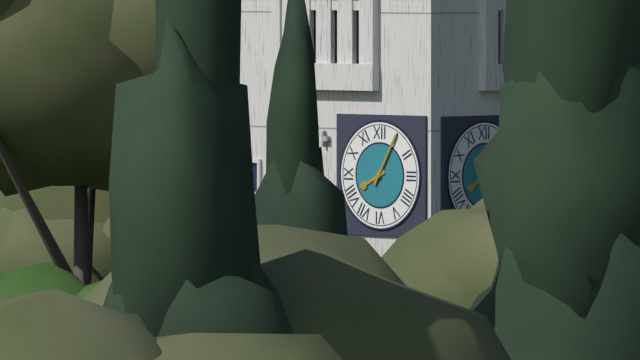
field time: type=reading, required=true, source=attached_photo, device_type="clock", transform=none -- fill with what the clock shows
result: 8:05
